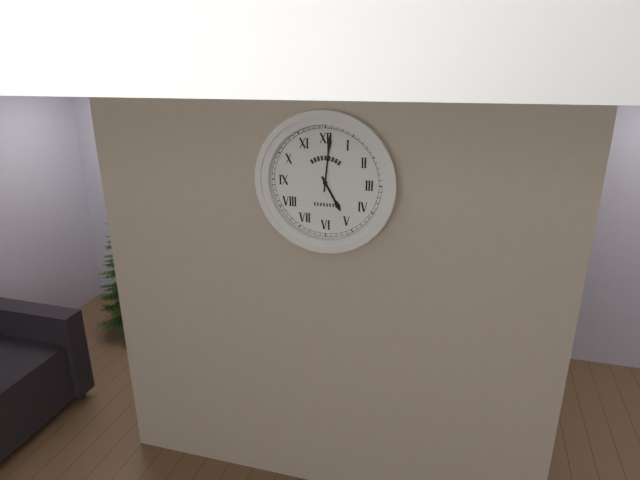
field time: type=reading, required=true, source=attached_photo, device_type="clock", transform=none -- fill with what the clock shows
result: 5:01
